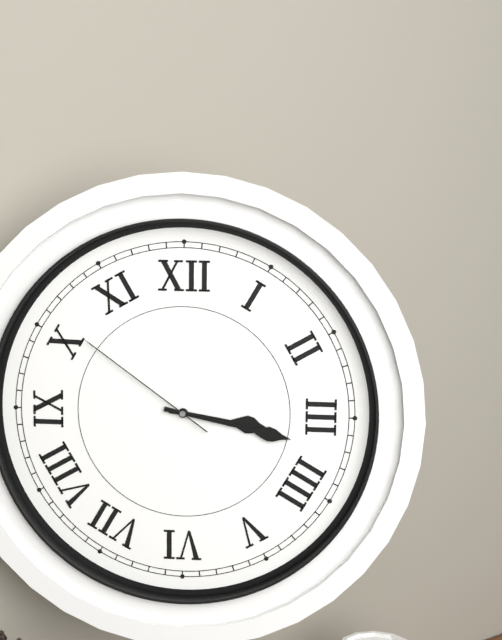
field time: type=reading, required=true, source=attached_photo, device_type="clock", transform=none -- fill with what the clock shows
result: 3:17:51
